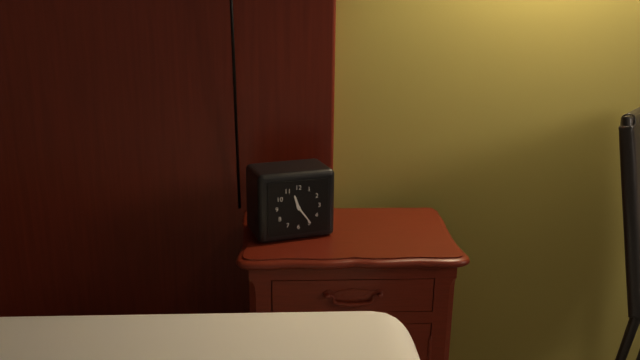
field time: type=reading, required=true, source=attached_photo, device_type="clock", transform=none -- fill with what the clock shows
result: 11:24
